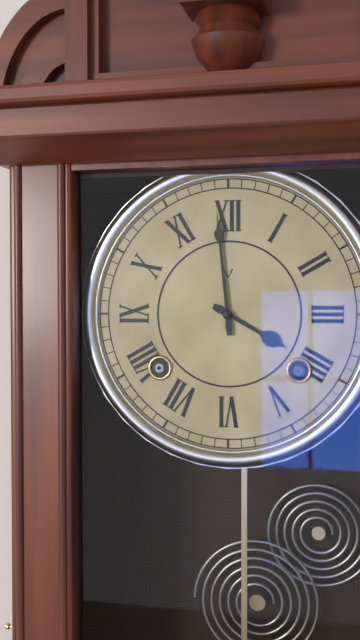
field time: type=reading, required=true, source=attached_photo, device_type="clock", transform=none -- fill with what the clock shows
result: 3:59
